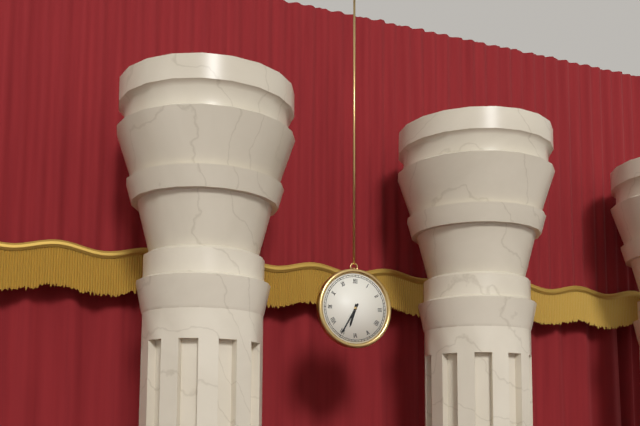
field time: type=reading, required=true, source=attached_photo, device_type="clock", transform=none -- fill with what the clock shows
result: 6:35
